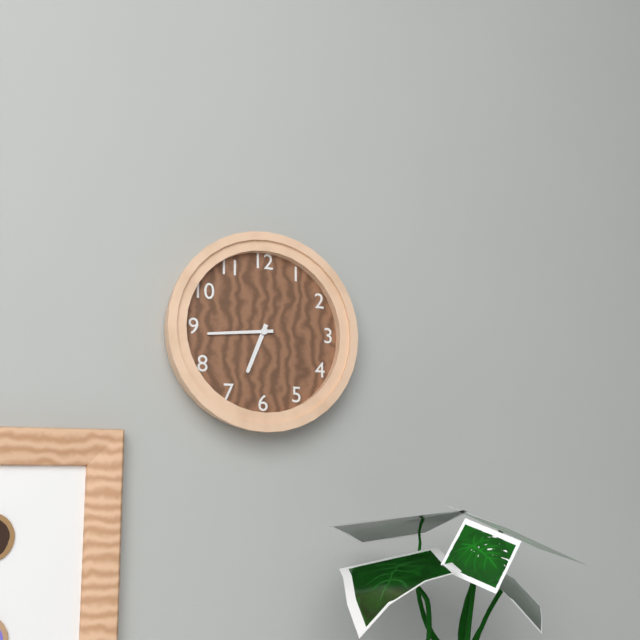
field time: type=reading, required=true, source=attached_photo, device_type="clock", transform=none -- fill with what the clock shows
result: 6:44
